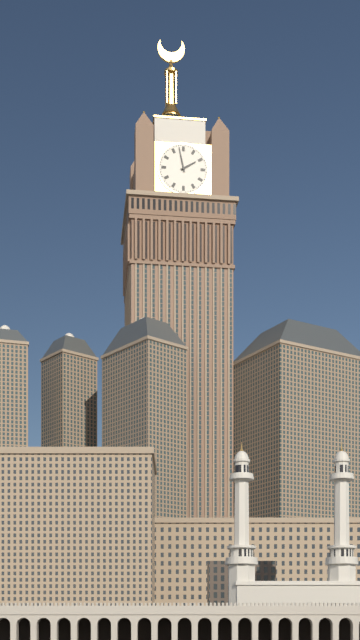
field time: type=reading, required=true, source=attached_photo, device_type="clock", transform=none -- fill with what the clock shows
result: 1:58
